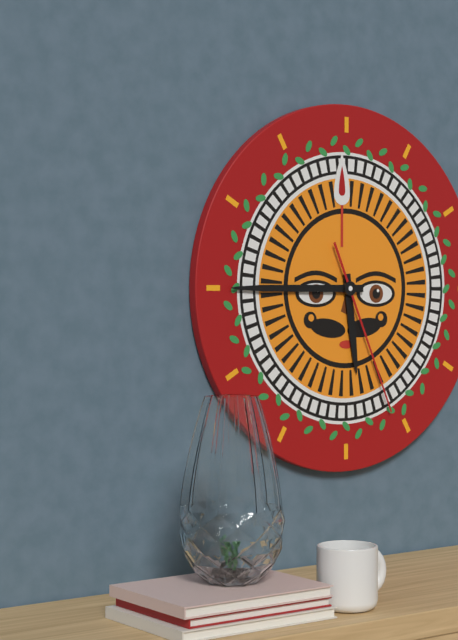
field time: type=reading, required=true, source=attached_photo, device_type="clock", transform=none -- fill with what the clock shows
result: 5:45:26
